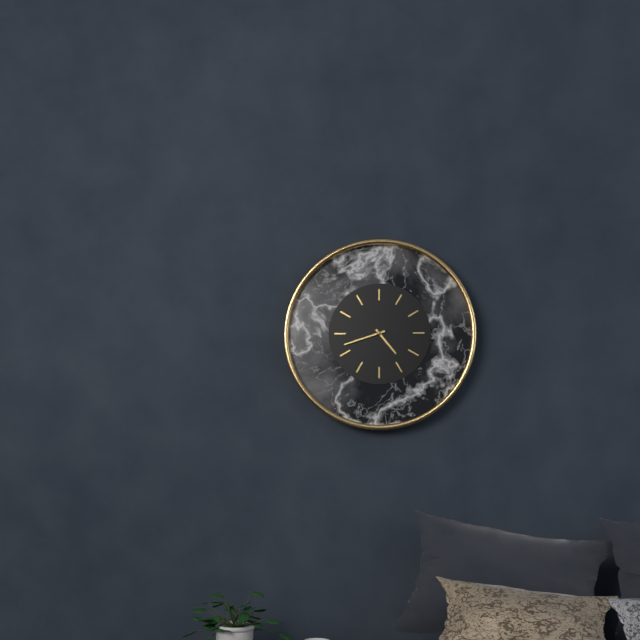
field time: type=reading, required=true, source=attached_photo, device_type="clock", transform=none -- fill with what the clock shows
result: 4:42
